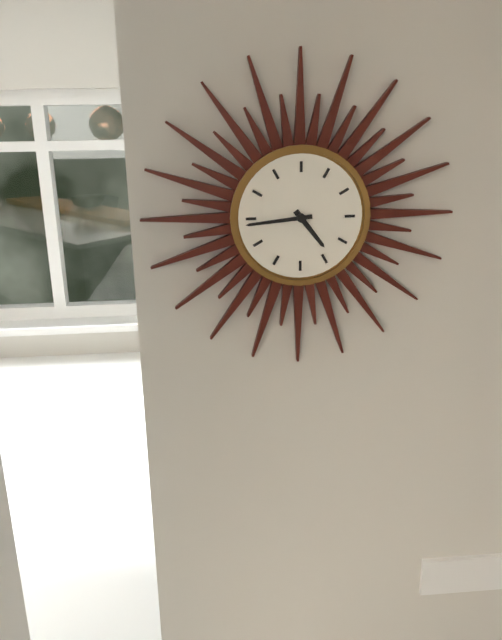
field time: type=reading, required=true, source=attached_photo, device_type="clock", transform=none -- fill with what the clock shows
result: 4:44
